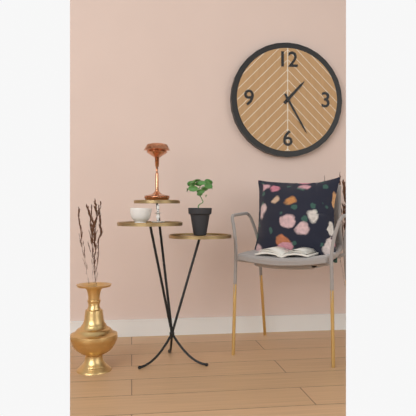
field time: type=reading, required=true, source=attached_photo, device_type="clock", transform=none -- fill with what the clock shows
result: 1:25
